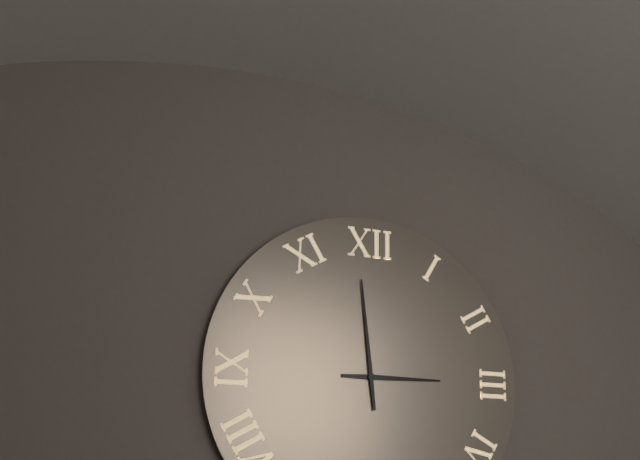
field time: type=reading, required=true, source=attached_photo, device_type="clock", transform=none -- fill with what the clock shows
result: 2:59
